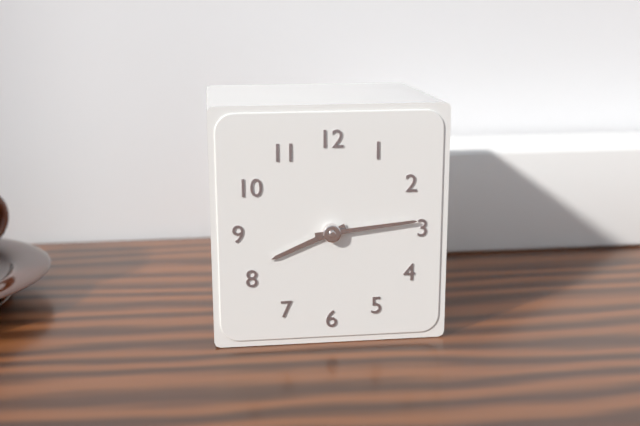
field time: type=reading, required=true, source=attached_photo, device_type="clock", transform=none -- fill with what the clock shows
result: 8:14
